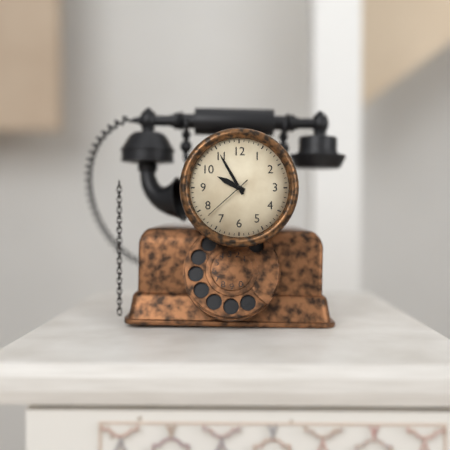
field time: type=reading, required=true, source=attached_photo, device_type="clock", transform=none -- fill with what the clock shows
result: 9:55:38
